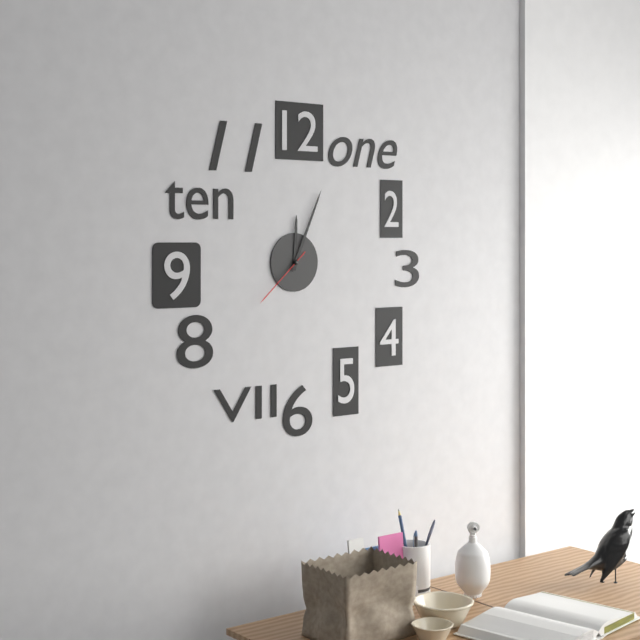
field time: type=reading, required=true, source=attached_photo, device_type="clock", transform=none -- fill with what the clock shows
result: 12:04:38
